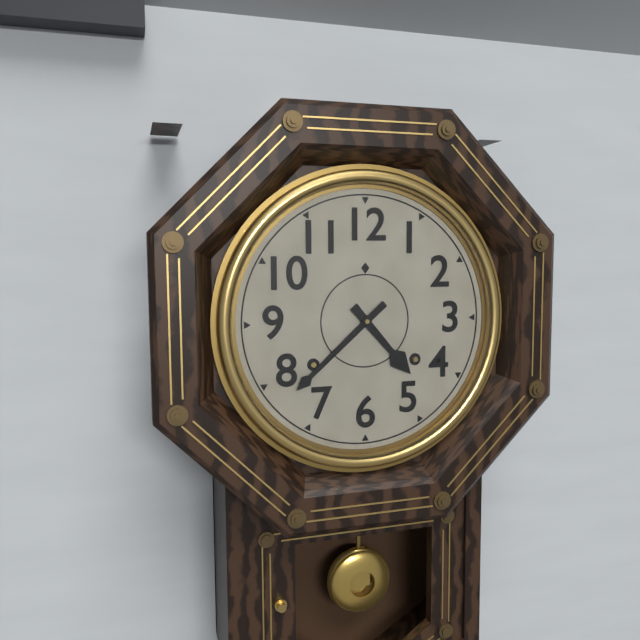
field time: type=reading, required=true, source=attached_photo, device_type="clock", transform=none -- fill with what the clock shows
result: 4:38
